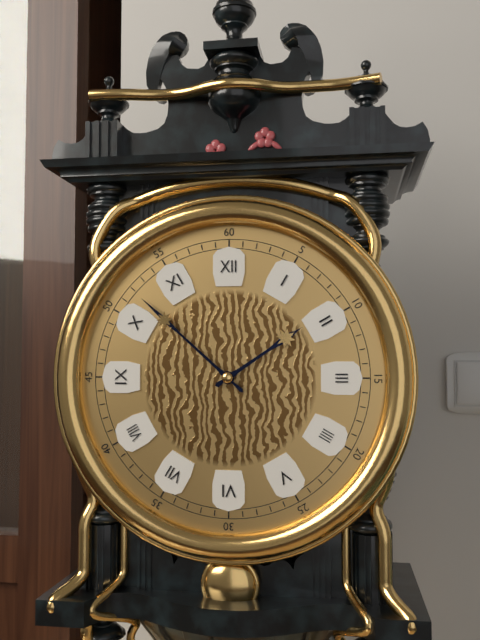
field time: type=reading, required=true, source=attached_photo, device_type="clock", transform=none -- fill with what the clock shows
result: 1:52
